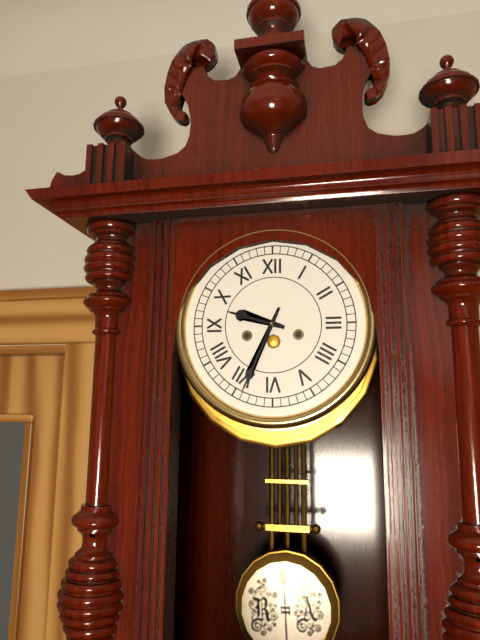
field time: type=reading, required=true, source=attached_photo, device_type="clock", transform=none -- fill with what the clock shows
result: 9:34
